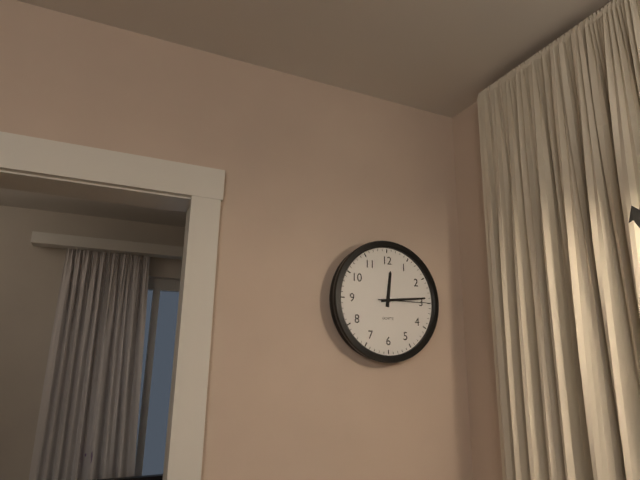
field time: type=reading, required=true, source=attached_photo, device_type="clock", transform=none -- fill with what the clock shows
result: 12:14
